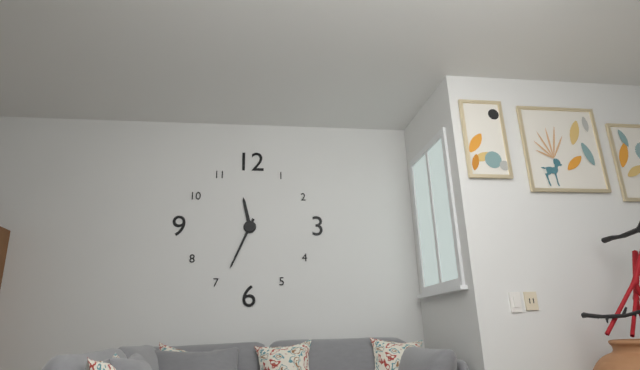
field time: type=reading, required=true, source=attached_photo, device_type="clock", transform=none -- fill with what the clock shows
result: 11:34
